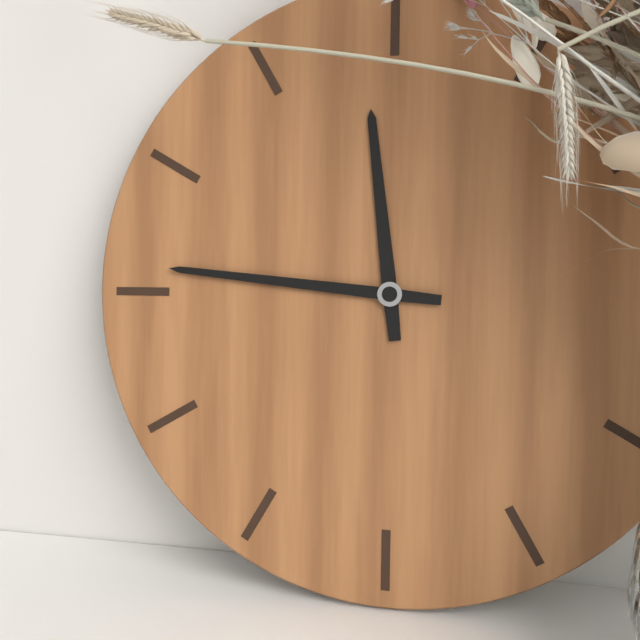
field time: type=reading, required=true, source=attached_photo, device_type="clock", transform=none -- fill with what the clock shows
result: 11:46
